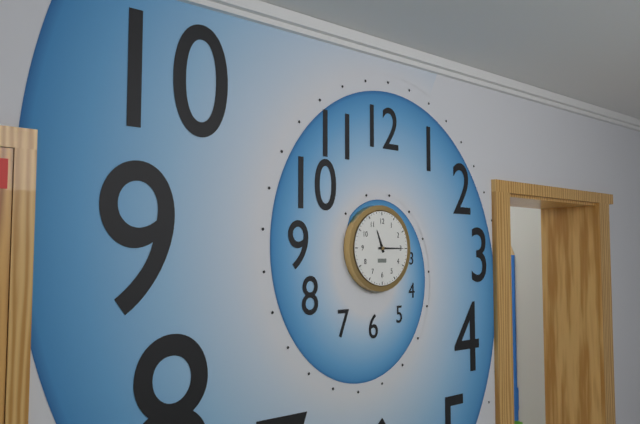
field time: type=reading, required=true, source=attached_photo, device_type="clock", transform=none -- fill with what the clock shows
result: 11:15
